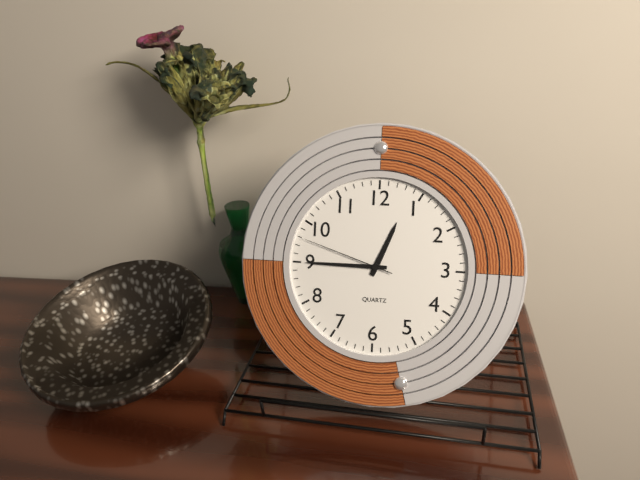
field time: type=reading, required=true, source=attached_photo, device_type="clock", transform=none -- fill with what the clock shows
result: 12:45:48
